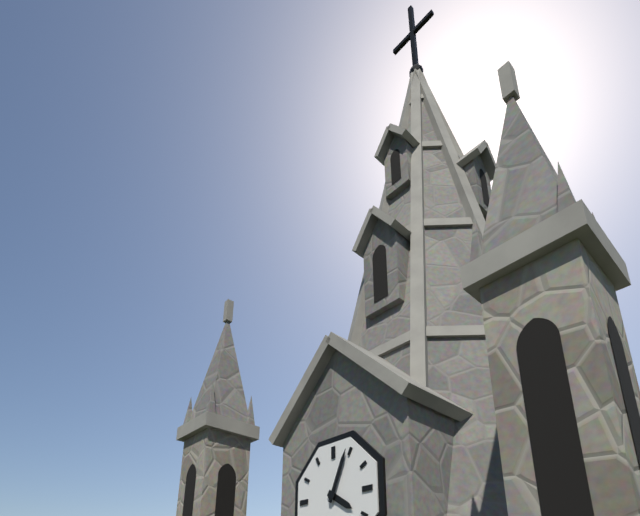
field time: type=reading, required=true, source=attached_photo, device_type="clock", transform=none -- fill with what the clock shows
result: 4:04
